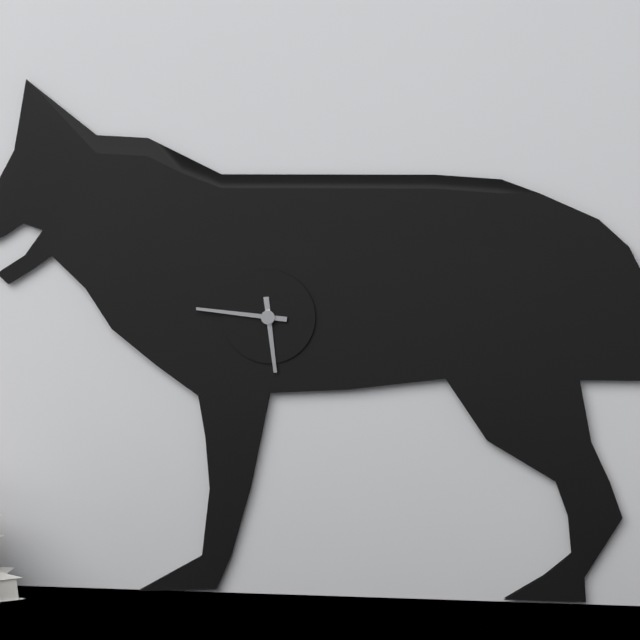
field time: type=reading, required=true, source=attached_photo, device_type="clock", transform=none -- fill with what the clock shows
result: 5:46
